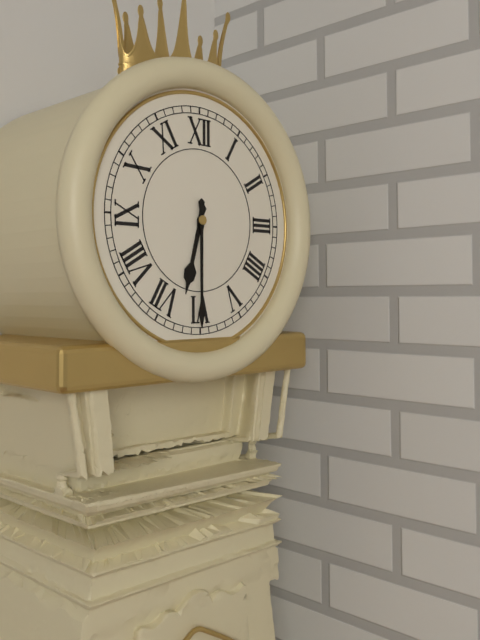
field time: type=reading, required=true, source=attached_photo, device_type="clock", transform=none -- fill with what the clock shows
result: 6:30
